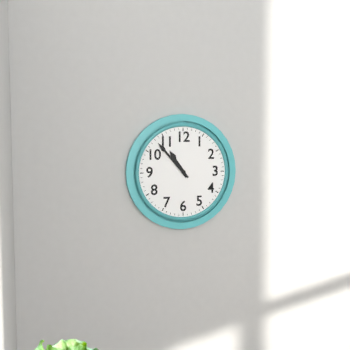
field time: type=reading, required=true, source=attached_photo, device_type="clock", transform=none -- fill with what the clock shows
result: 10:53
